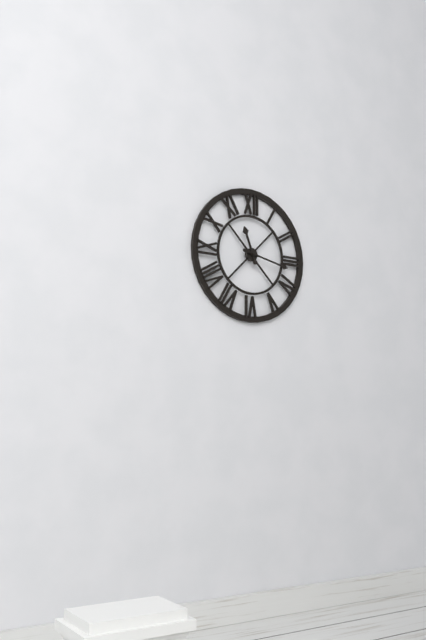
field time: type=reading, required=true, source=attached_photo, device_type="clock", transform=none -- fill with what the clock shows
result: 11:17
